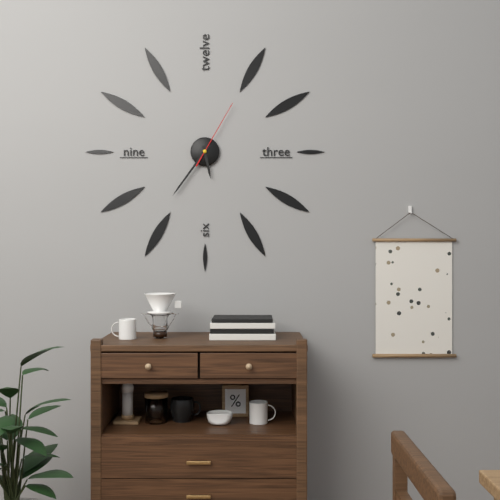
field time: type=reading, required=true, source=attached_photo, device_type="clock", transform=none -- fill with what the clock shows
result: 5:36:05
